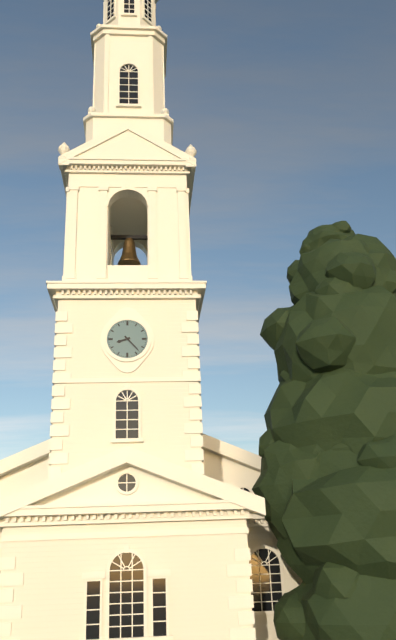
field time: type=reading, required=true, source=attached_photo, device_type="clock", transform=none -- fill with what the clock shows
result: 8:23
